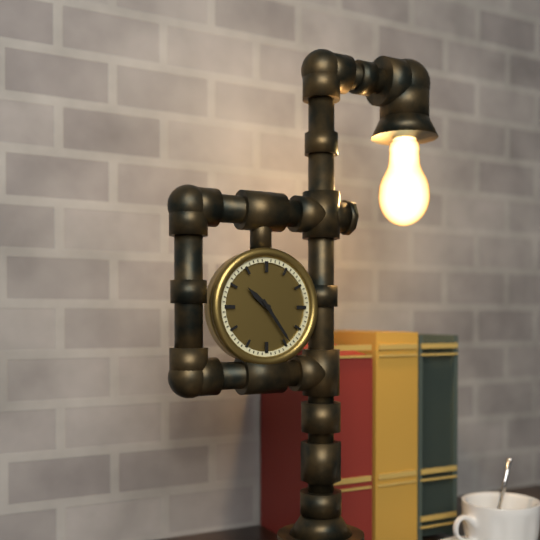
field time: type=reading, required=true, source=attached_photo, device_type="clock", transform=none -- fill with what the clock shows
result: 10:24
